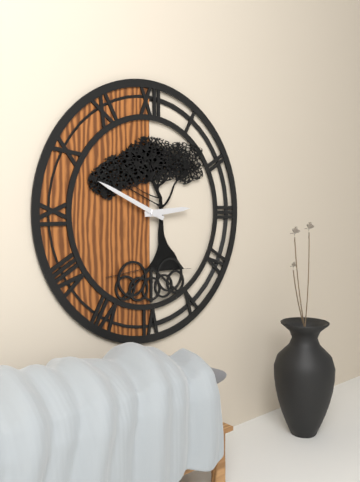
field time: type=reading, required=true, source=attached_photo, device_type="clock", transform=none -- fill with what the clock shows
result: 2:49
